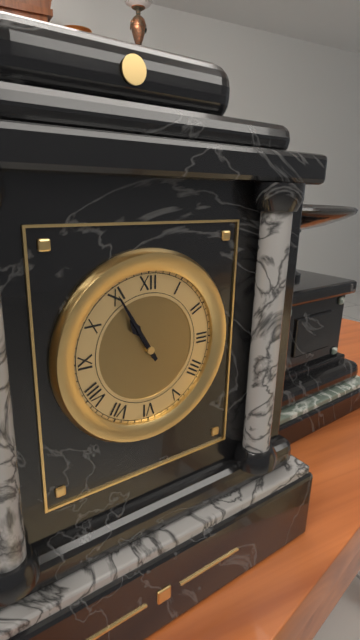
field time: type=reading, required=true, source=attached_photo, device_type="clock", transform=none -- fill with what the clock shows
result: 10:55
